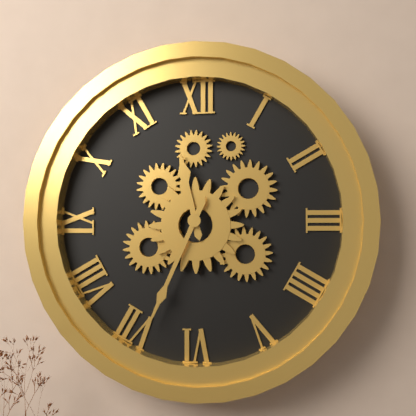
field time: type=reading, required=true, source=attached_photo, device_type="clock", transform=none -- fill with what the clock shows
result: 11:34
